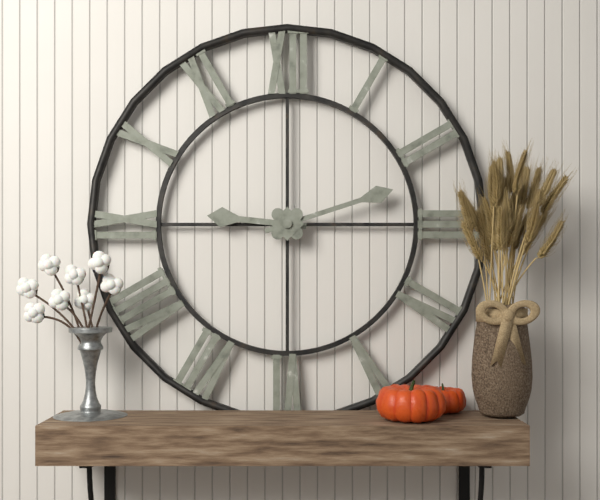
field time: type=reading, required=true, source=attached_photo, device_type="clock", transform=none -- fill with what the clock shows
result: 9:12
